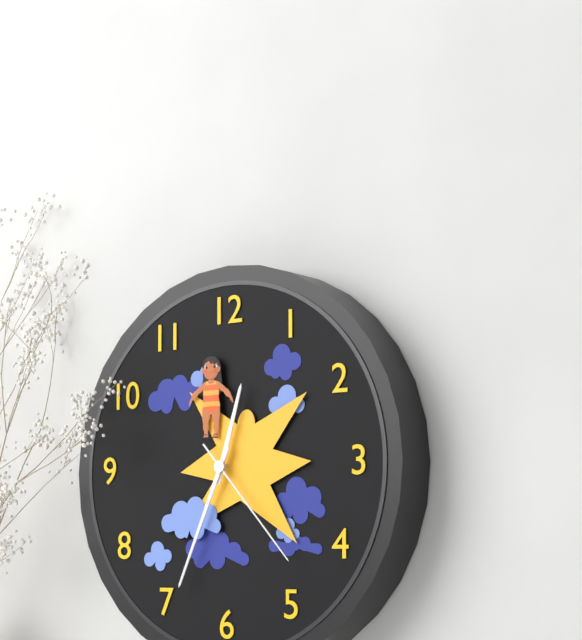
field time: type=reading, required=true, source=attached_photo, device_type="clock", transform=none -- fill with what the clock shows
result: 12:34:23
